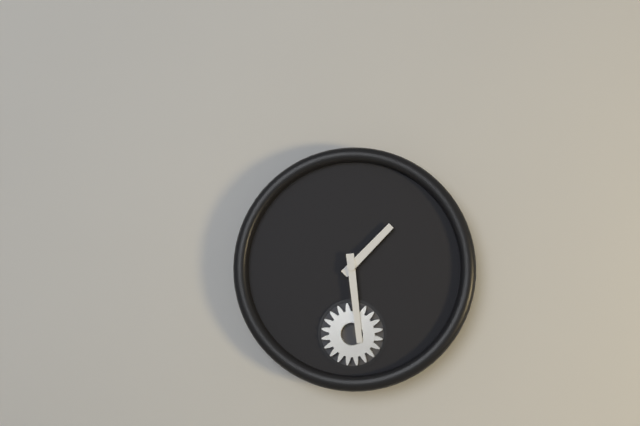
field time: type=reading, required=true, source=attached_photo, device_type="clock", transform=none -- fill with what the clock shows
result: 1:29
